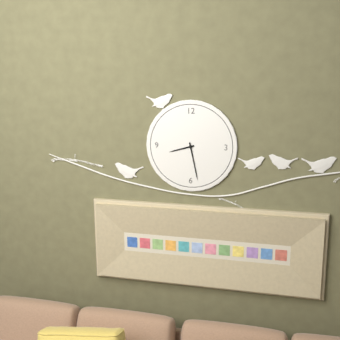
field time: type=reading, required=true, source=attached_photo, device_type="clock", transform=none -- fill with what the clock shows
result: 8:28
